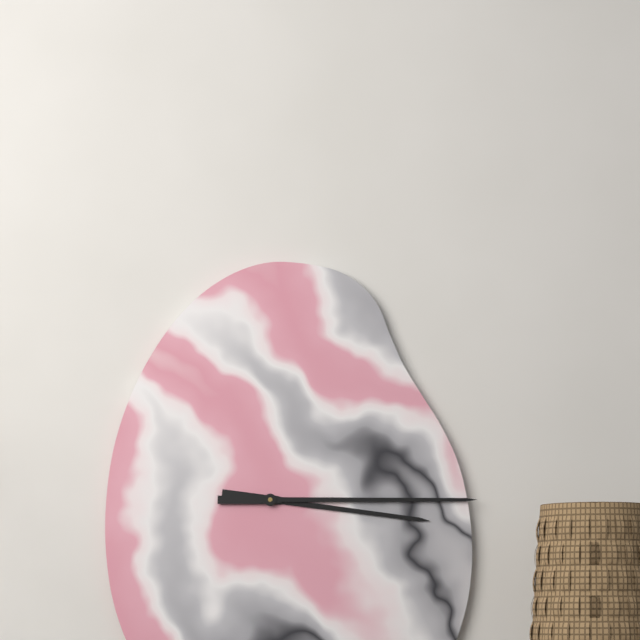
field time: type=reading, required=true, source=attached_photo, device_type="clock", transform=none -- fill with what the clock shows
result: 3:15
